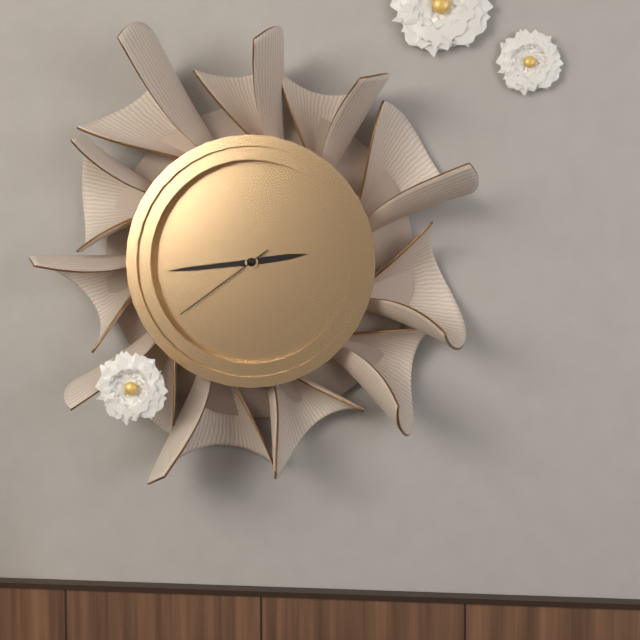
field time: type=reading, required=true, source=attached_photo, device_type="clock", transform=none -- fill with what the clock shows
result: 2:44:39
